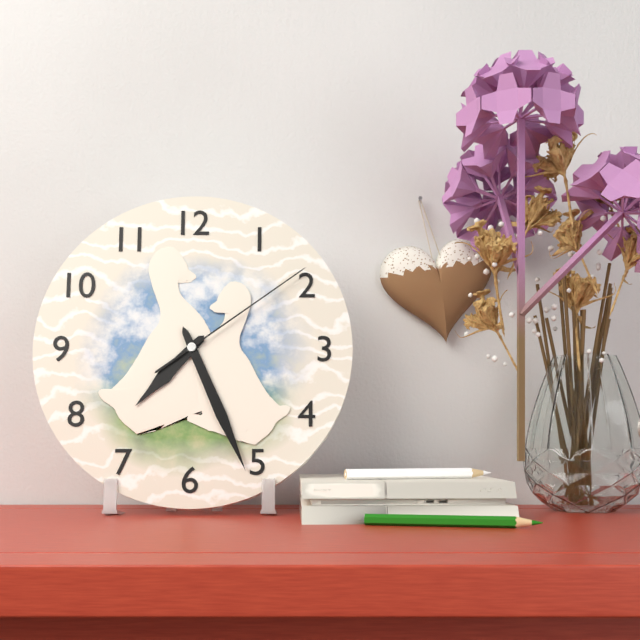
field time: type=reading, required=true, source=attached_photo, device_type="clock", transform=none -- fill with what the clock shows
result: 7:26:09
